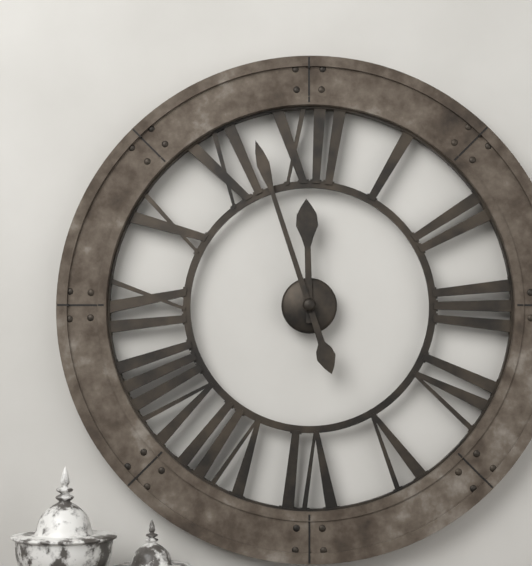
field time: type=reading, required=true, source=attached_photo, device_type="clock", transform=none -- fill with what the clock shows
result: 11:57
